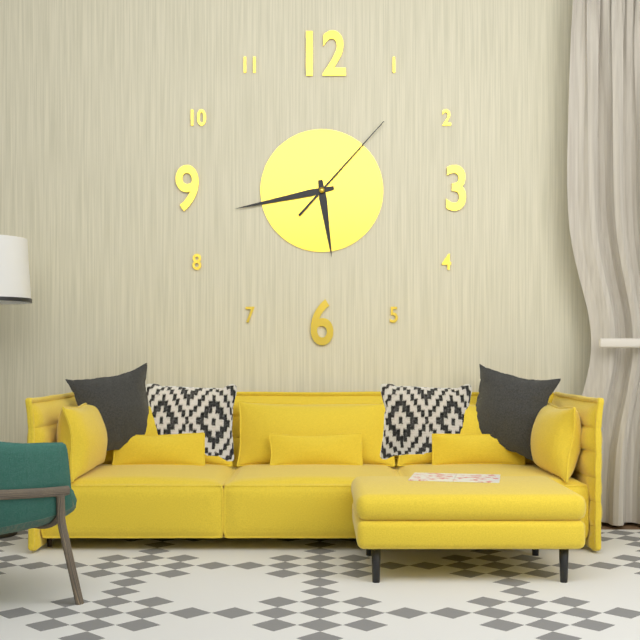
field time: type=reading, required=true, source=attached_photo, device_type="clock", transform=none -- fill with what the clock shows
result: 5:43:07
